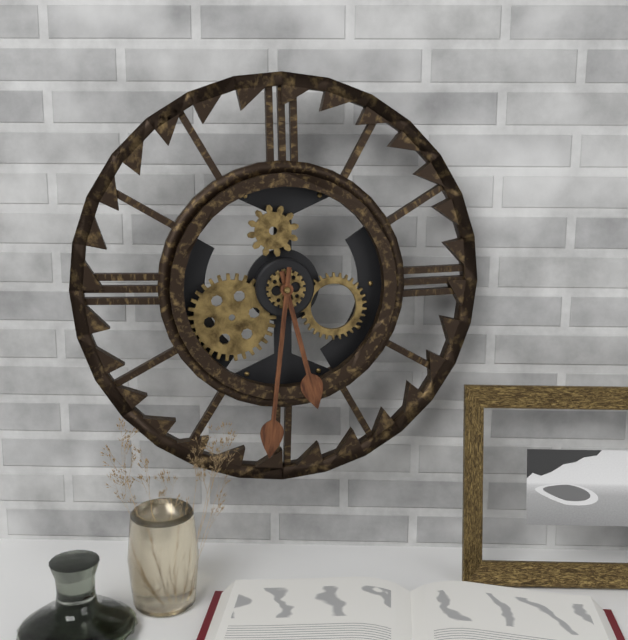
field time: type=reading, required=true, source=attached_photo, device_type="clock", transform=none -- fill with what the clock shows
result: 5:31
